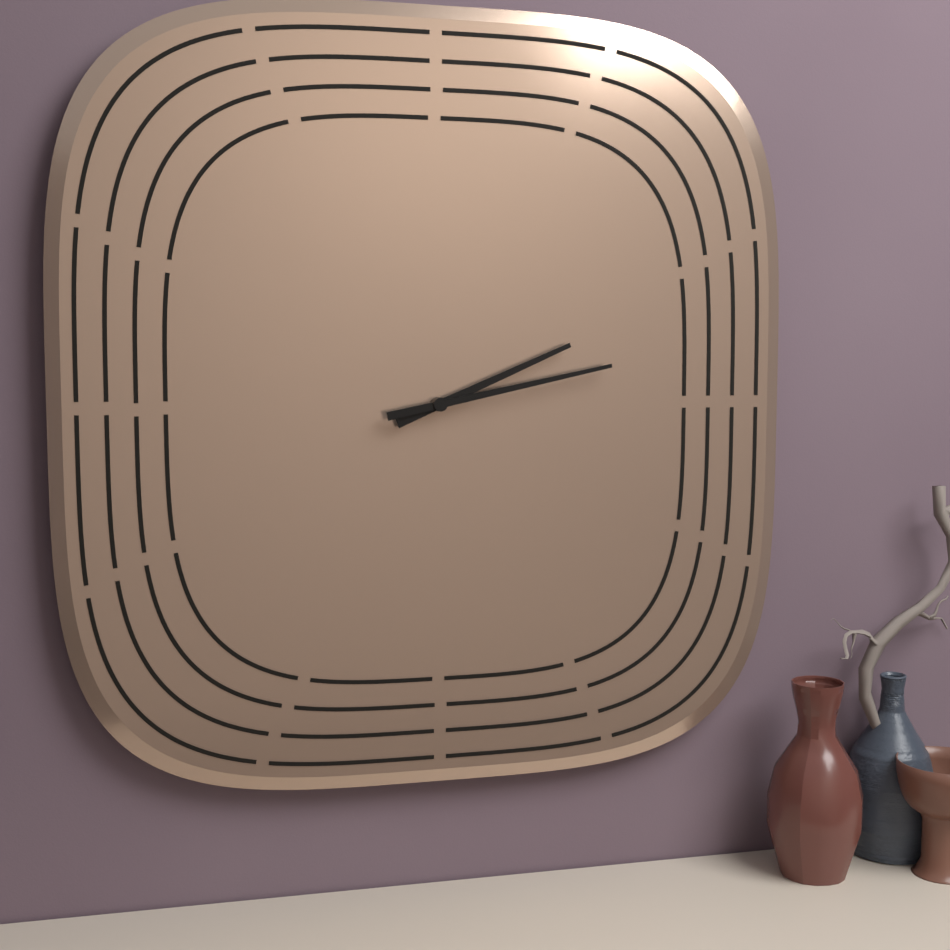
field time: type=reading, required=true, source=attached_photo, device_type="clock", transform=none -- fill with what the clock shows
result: 2:13
